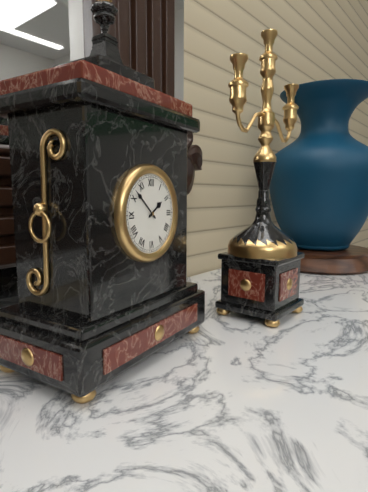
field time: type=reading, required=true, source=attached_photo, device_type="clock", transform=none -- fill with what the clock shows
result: 1:52
